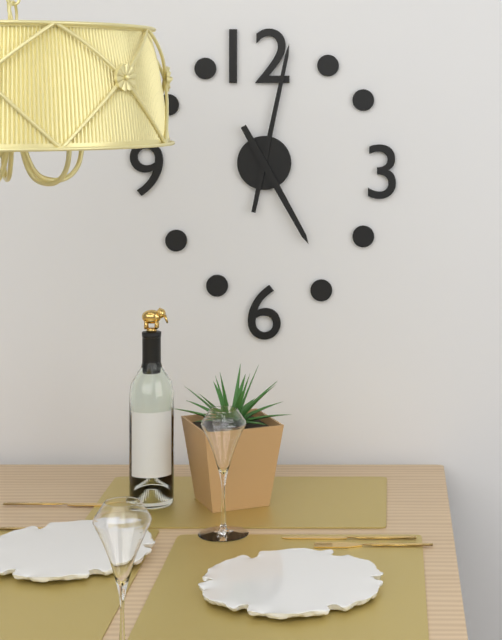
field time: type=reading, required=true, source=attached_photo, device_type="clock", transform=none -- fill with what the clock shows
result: 5:02
